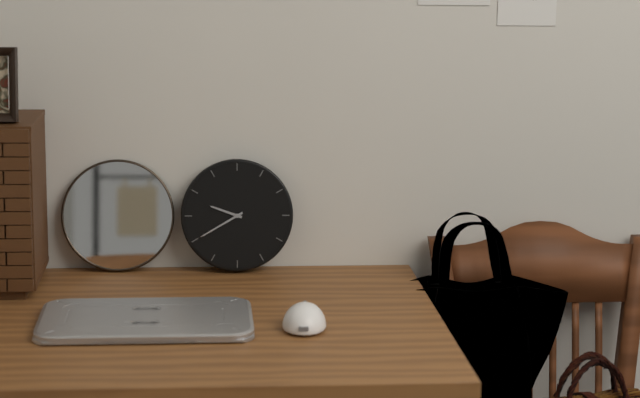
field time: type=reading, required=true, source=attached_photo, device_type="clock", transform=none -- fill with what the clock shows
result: 9:40
